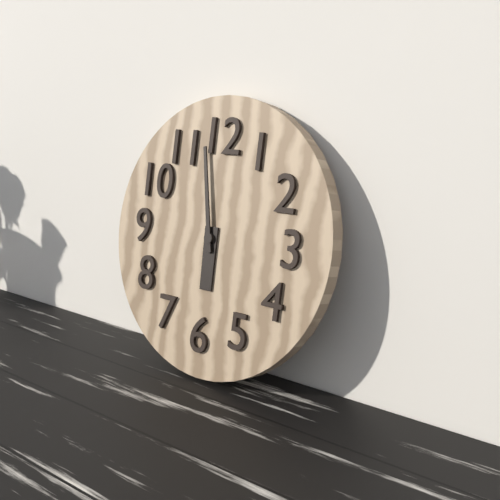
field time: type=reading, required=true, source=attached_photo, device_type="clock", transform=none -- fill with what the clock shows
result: 5:58
